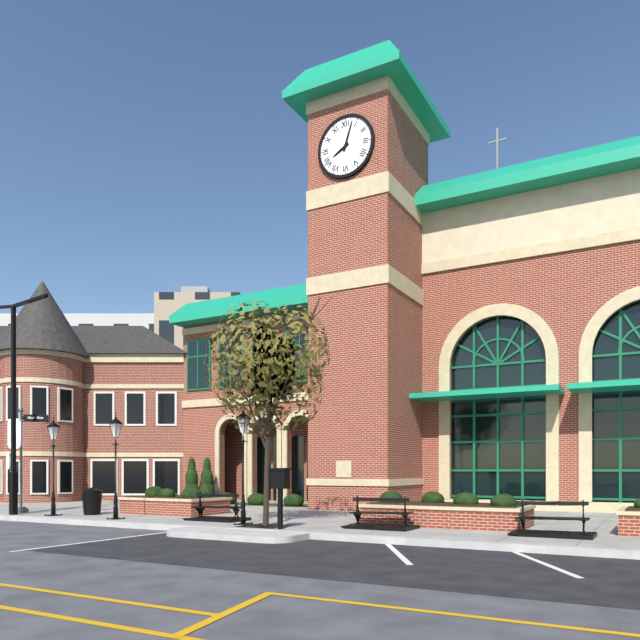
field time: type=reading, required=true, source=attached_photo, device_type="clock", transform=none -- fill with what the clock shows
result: 8:03
